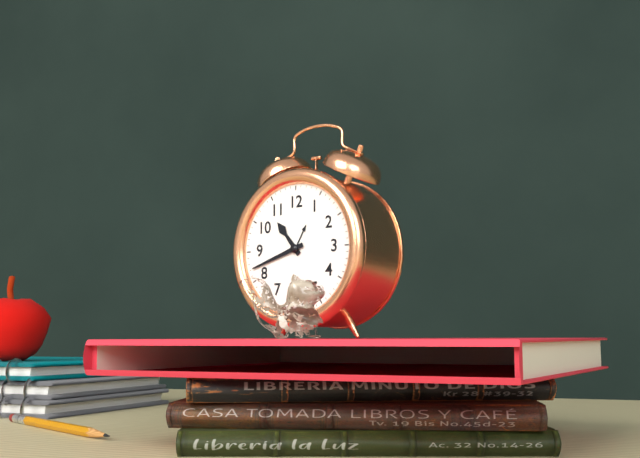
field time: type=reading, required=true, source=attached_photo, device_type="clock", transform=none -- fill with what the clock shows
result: 10:42
